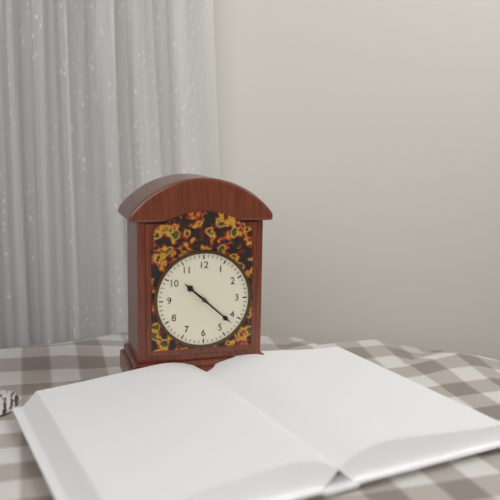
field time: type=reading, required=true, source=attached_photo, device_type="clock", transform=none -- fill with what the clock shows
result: 10:22
